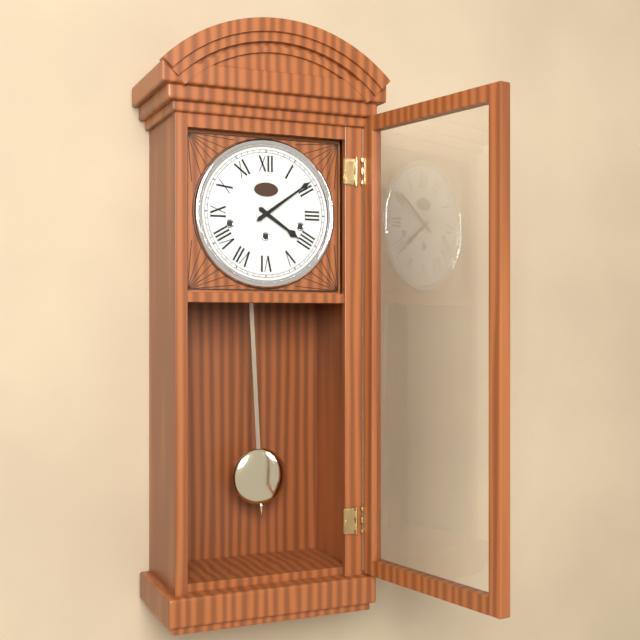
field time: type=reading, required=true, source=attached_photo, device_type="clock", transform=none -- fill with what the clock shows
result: 4:09
